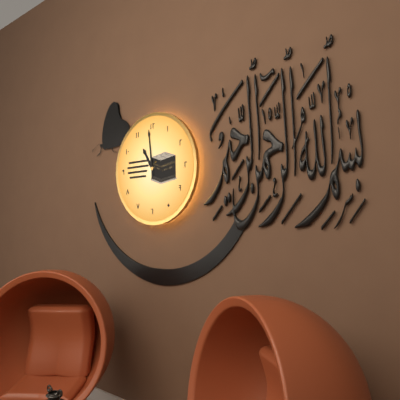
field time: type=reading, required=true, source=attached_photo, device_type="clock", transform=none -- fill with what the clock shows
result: 10:59
